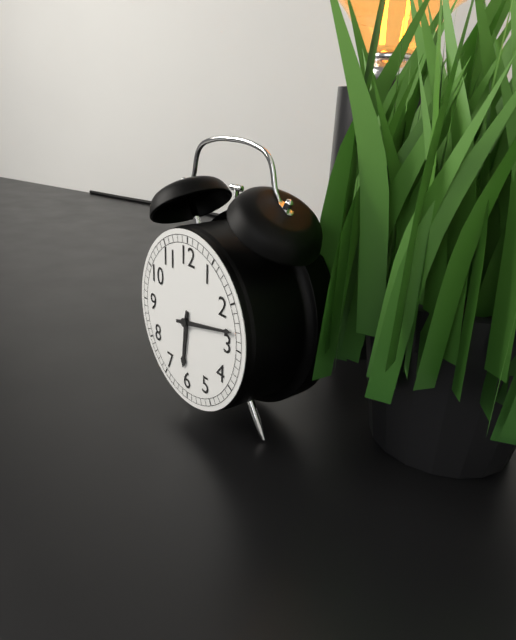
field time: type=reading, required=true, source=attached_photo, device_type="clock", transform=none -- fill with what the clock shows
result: 6:13
